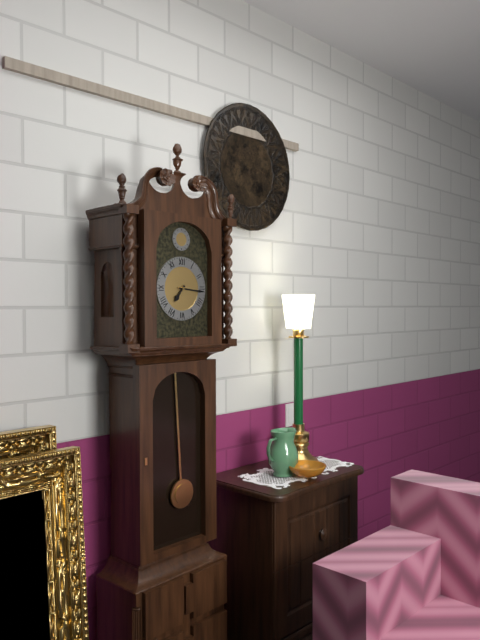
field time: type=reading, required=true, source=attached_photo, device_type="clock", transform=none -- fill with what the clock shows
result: 7:16
